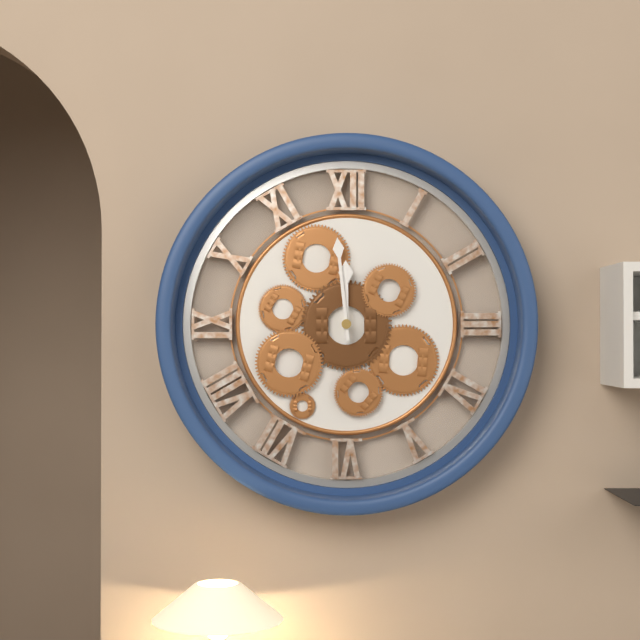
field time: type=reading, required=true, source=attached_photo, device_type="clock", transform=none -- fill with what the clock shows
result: 11:59
